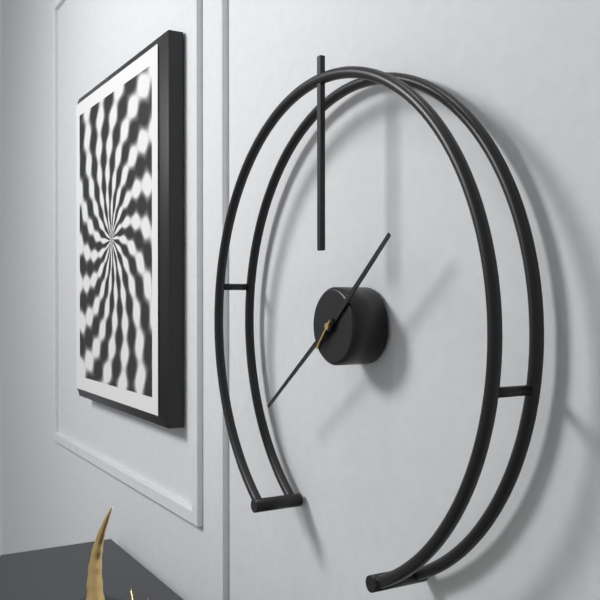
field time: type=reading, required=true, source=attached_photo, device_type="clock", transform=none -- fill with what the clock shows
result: 1:39
